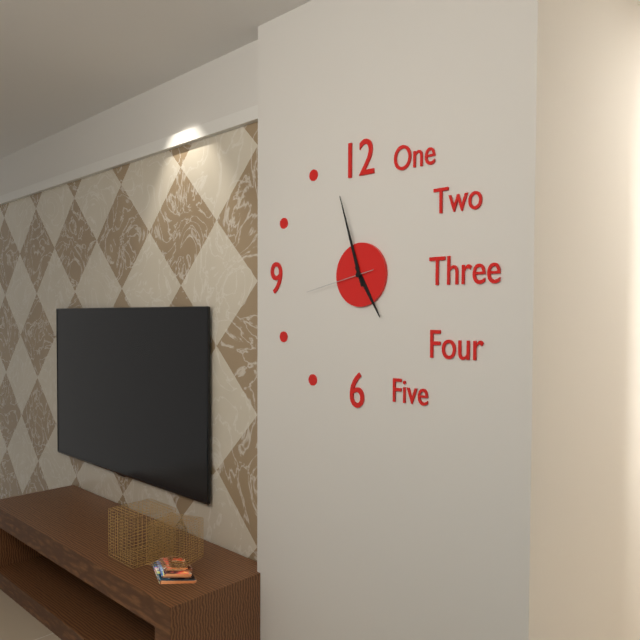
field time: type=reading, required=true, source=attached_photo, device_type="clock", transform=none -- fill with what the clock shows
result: 4:57:43
